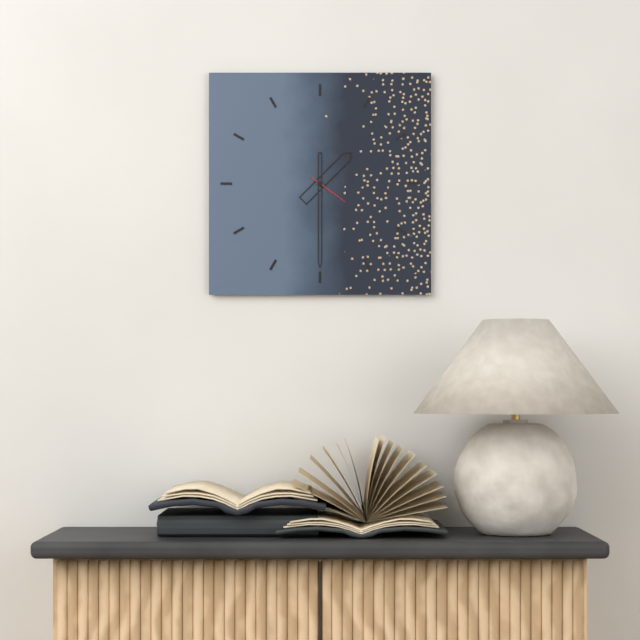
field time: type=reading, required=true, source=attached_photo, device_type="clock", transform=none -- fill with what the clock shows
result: 1:30
